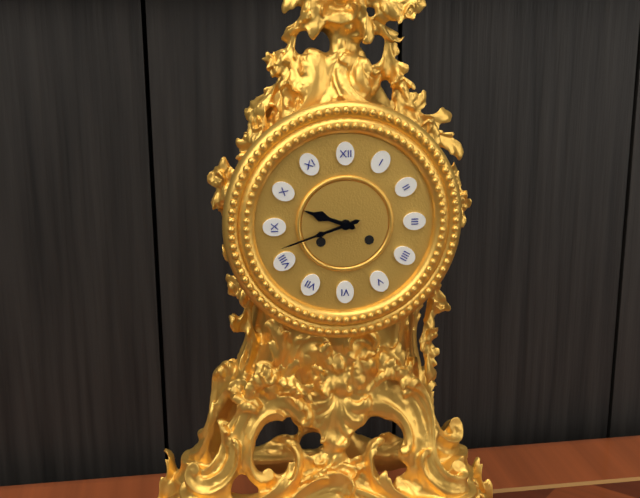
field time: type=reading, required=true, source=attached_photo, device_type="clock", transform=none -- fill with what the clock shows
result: 9:42
